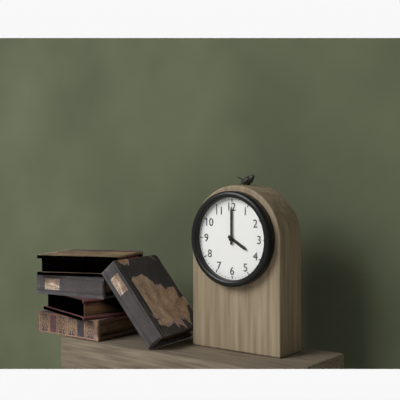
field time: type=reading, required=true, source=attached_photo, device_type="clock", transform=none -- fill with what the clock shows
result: 4:00
